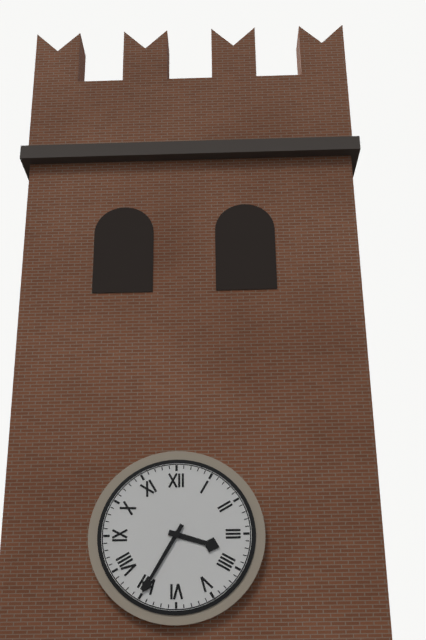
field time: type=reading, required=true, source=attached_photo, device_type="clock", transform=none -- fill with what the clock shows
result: 3:35
